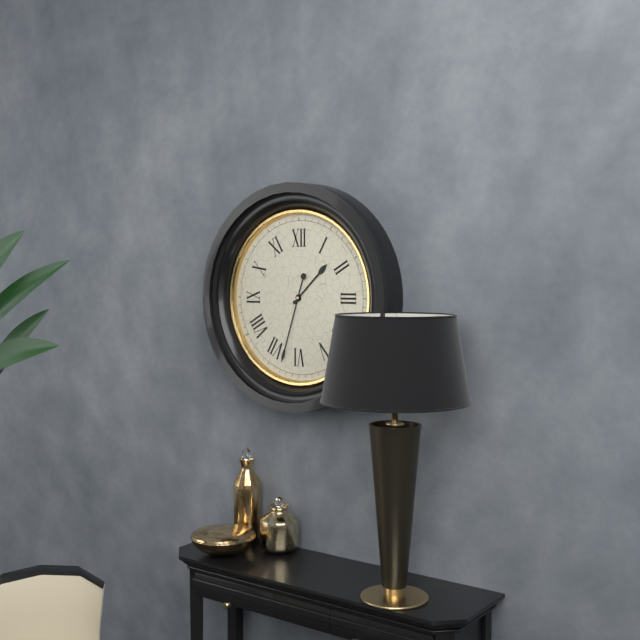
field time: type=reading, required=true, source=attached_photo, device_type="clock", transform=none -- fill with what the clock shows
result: 1:33
